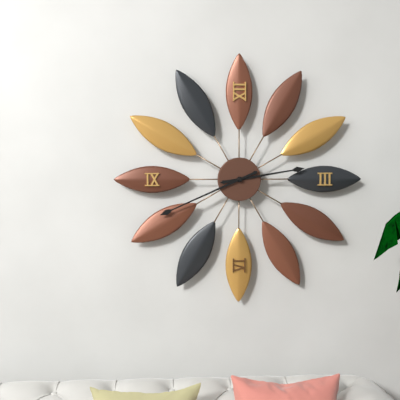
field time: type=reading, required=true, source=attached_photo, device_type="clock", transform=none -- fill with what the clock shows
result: 2:41
